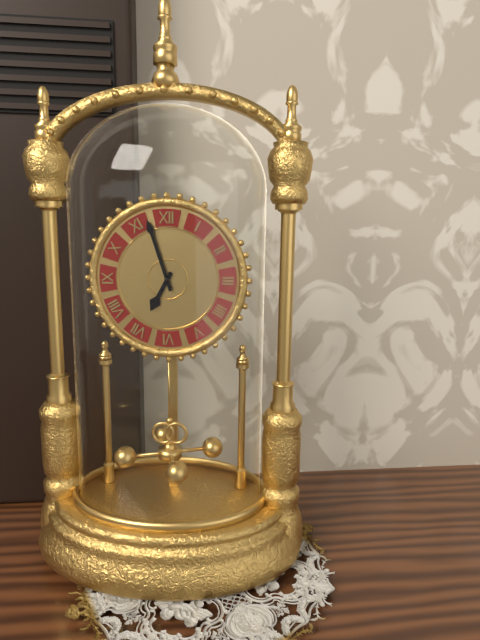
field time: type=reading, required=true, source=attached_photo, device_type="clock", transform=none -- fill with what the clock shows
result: 6:57
